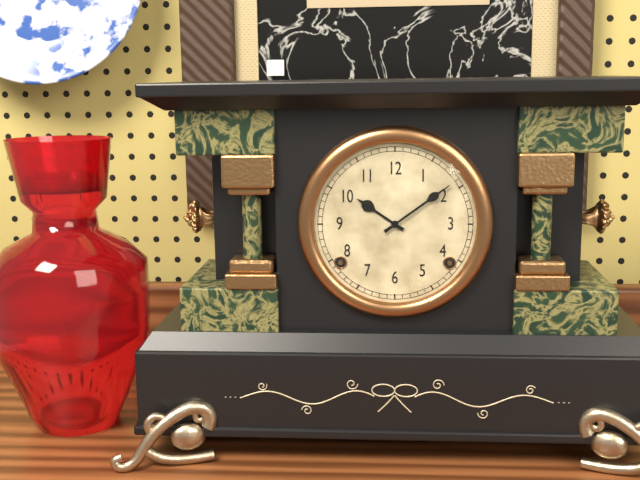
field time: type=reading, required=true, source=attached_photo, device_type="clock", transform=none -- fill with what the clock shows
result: 10:09
